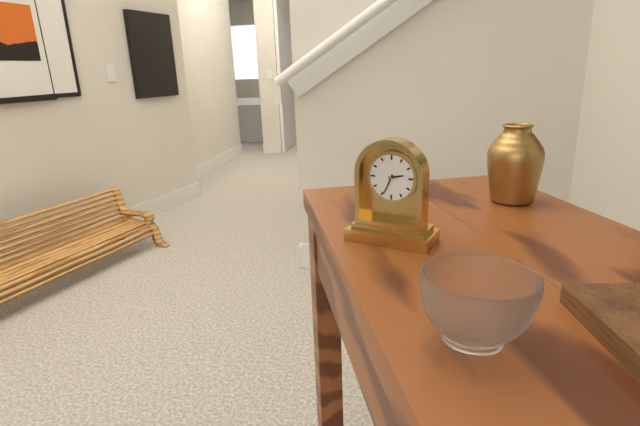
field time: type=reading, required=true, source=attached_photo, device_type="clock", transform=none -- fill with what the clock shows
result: 2:34
